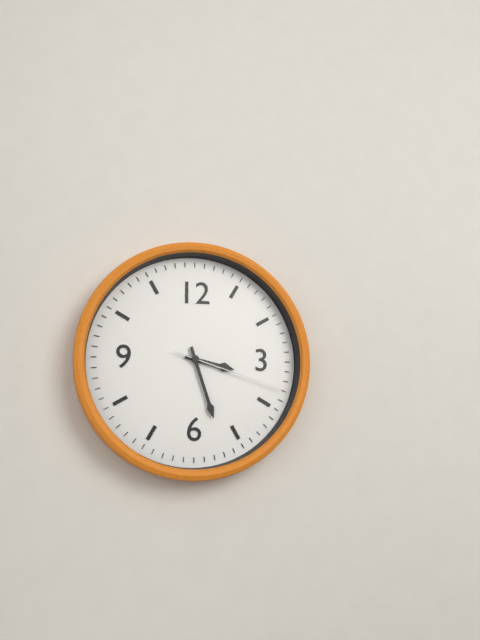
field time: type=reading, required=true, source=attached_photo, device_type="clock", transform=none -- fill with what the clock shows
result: 3:27:18
